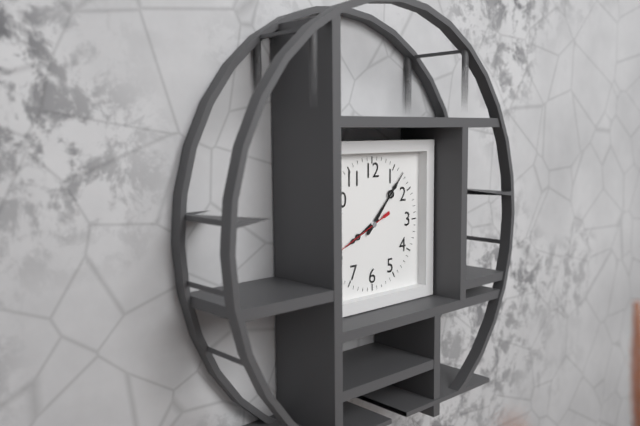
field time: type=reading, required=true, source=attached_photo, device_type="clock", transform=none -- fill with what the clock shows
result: 8:07:41
